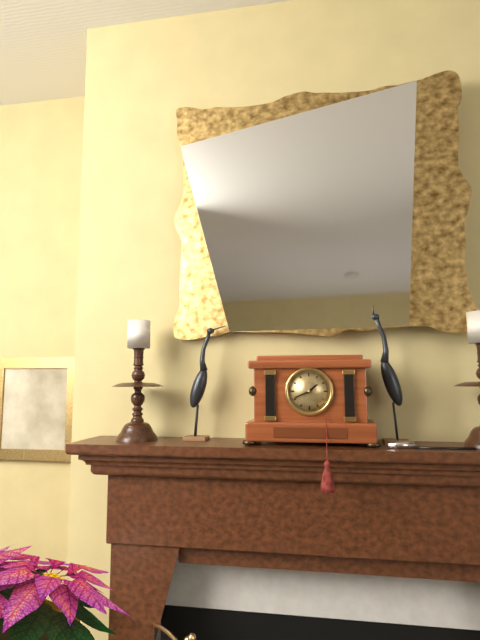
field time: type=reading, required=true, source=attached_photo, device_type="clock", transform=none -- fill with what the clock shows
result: 1:41
